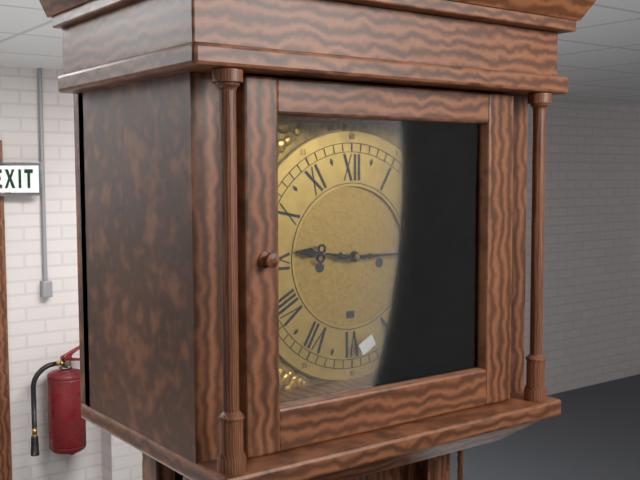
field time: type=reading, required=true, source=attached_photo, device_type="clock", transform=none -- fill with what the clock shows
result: 9:15
